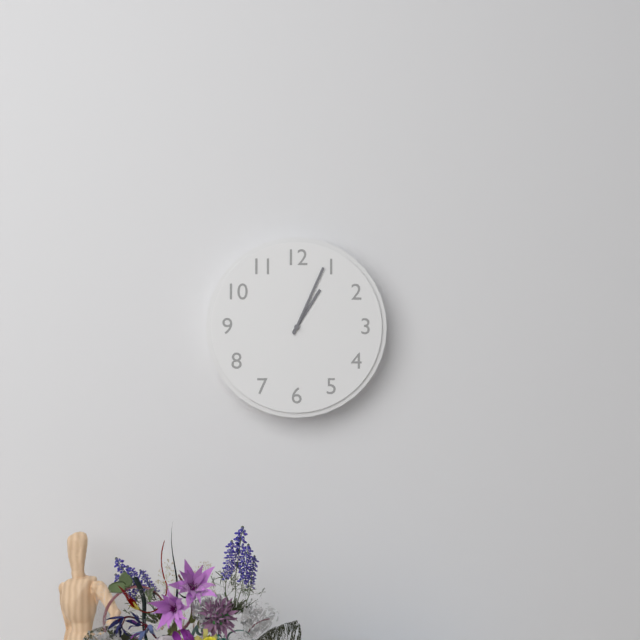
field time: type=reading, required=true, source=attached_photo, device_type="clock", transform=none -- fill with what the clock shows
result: 1:04
